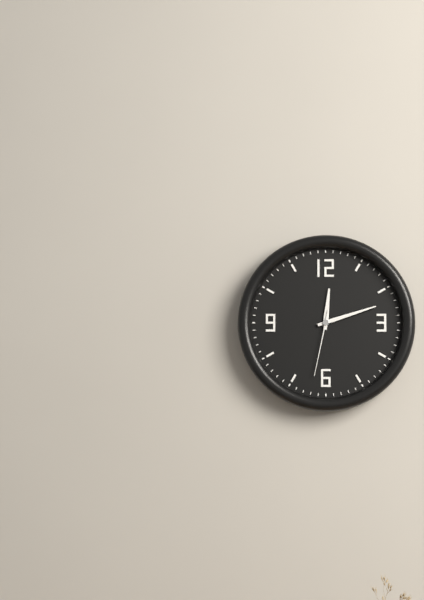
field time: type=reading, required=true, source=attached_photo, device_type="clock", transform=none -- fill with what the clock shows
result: 12:12:32
